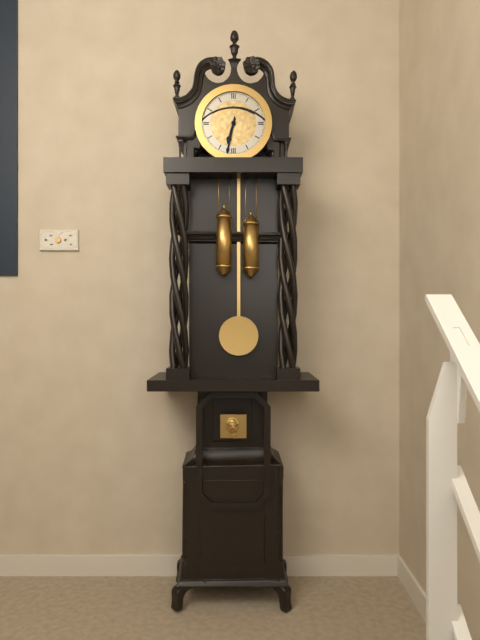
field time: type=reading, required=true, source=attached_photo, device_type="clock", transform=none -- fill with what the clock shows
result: 6:32
